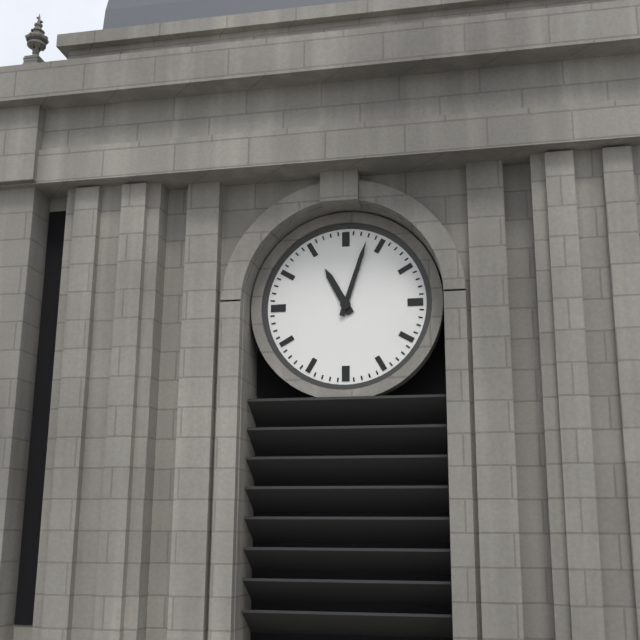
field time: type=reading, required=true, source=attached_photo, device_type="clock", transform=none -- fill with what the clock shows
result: 11:03
